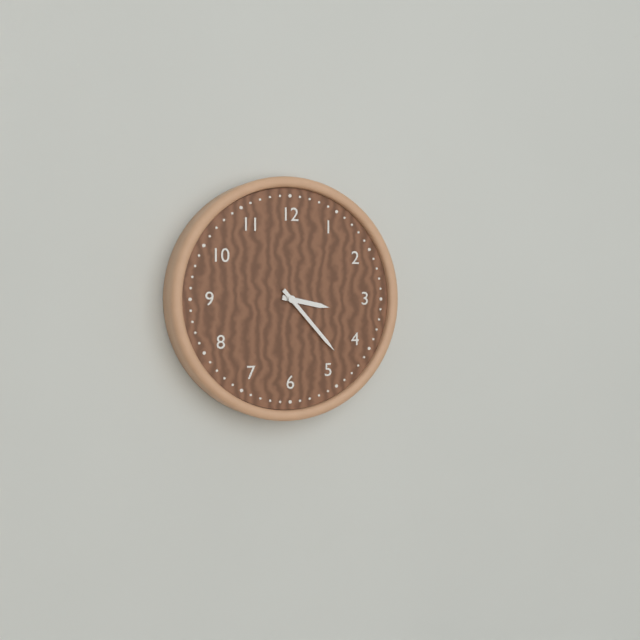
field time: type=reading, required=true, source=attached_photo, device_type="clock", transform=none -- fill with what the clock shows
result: 3:23
